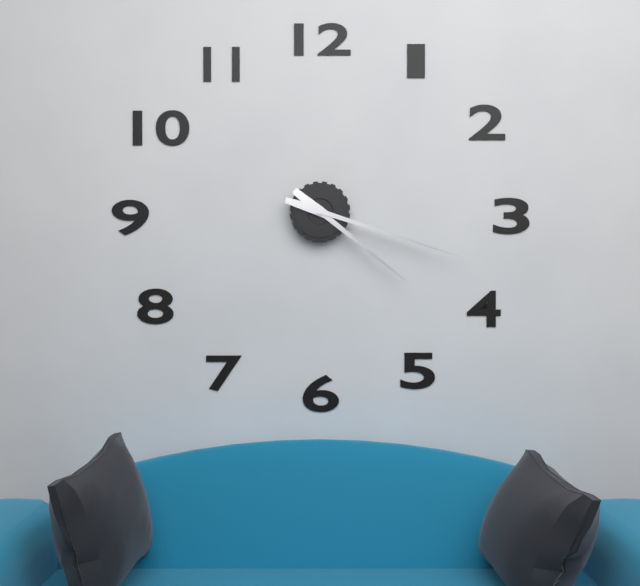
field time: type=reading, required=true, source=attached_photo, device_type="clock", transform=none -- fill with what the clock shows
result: 4:18
